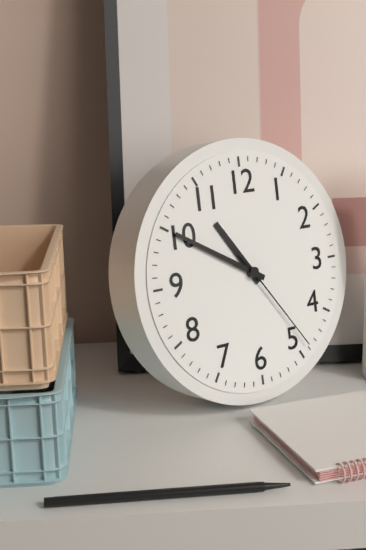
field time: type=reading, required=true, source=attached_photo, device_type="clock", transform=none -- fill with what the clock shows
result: 10:50:24
